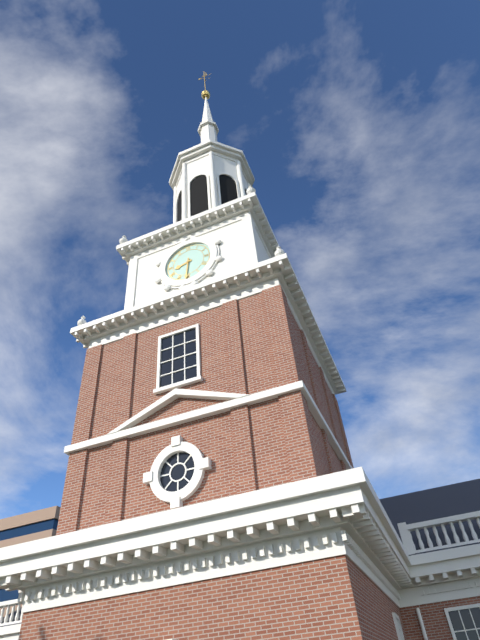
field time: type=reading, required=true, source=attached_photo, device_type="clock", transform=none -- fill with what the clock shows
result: 8:31
